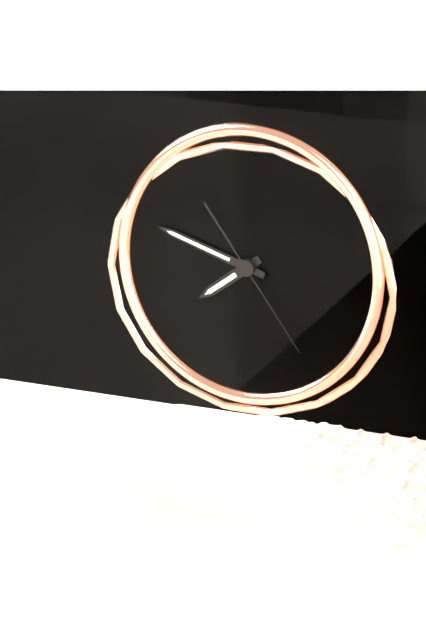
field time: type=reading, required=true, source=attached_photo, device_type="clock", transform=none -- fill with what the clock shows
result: 7:48:24
